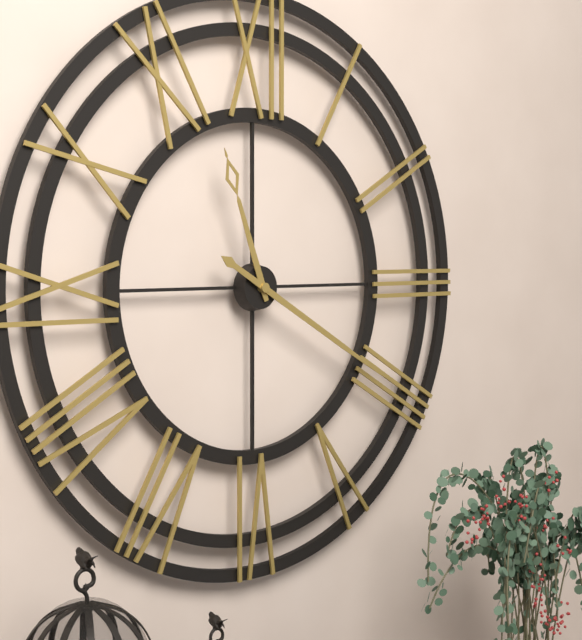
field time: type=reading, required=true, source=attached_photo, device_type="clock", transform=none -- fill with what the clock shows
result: 11:20
